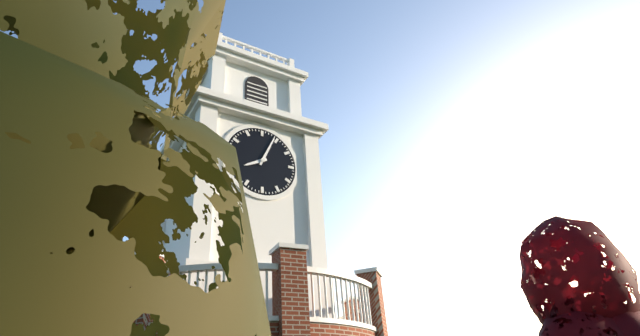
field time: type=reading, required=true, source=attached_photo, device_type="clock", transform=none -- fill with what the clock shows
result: 8:04
